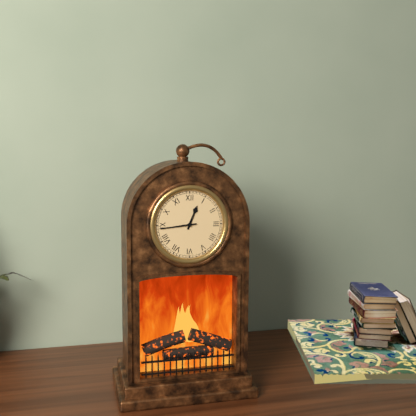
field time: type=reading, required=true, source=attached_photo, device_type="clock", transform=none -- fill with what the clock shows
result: 12:44
